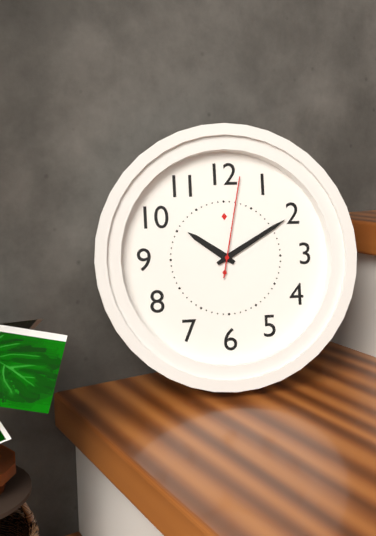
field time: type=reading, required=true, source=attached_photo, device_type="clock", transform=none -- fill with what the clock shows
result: 10:10:02
